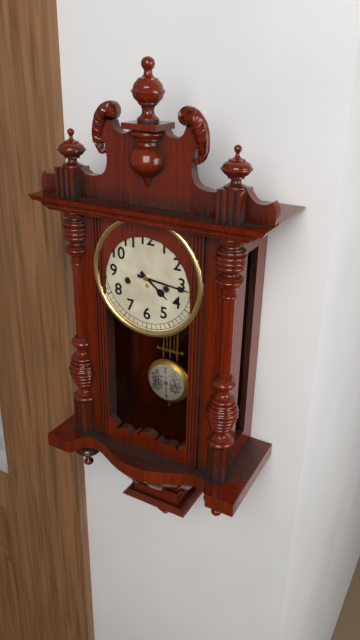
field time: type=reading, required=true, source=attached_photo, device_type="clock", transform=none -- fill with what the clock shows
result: 4:16
